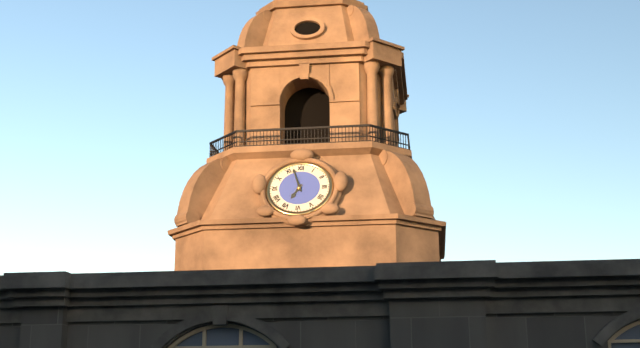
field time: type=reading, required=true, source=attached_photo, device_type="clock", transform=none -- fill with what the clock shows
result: 6:57
